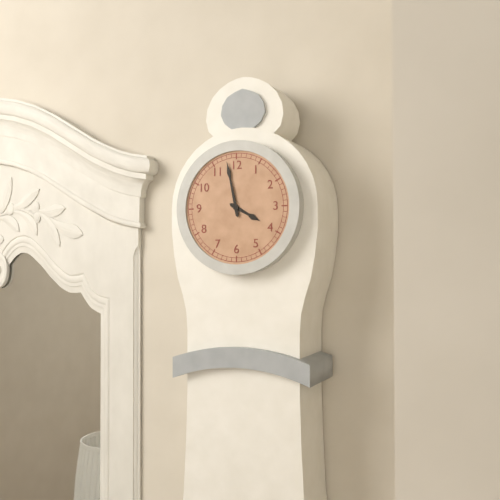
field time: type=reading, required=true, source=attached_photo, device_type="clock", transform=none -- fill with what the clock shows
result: 3:58
